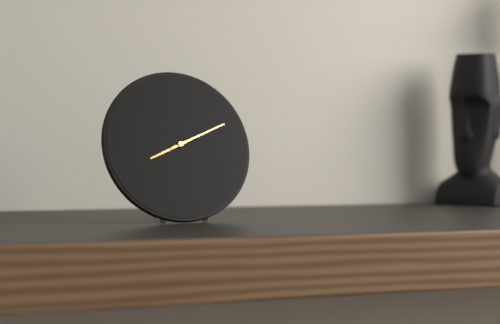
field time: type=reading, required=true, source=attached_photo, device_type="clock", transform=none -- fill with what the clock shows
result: 8:11
